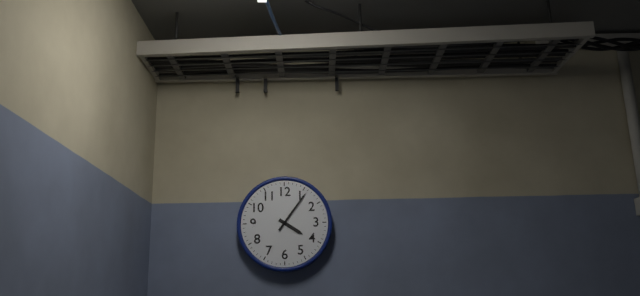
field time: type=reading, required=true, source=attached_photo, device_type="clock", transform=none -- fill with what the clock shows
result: 4:06
